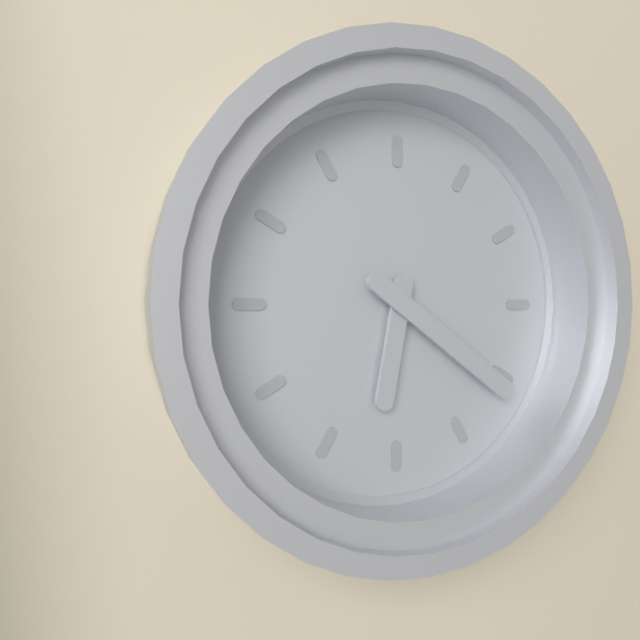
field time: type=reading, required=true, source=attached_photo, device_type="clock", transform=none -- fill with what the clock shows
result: 6:21
